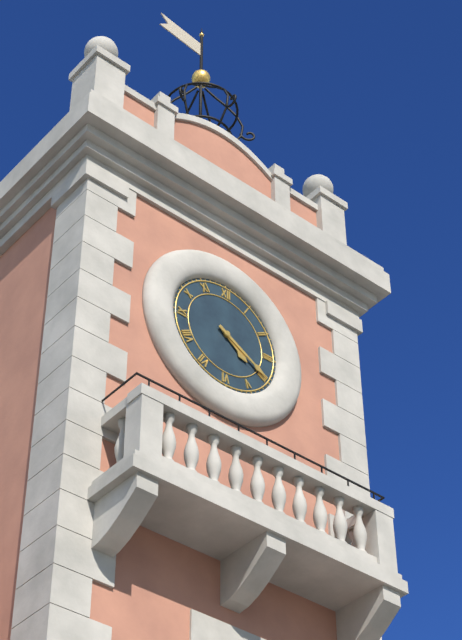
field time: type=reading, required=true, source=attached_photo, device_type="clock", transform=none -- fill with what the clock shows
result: 4:20
